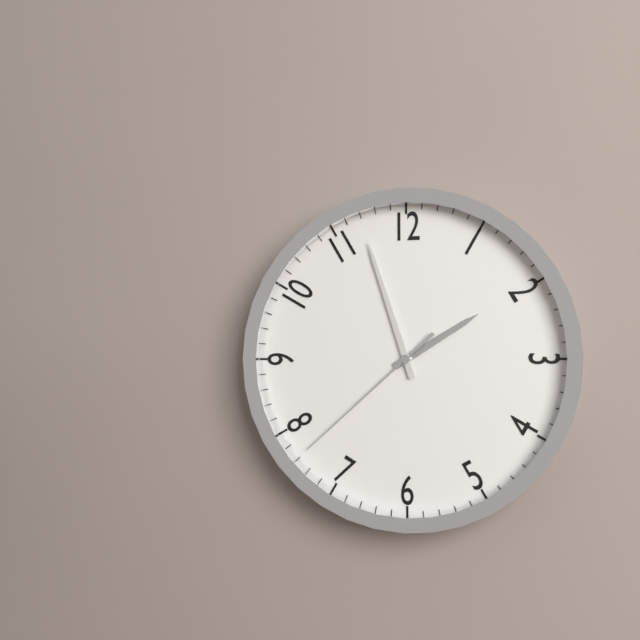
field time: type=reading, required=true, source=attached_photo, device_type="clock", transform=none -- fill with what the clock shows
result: 1:57:38
